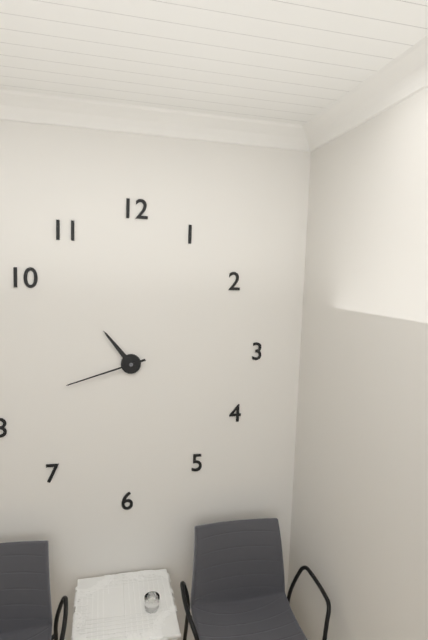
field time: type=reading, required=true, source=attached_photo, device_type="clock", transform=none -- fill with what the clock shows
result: 10:42
